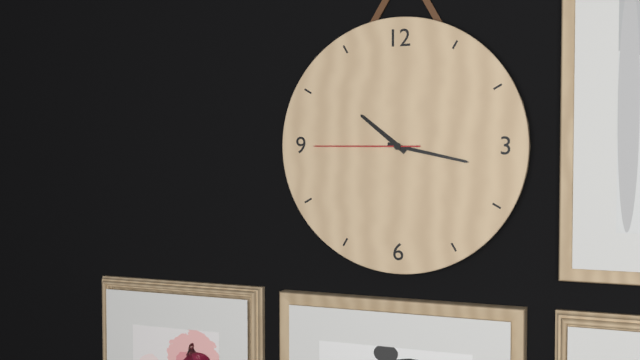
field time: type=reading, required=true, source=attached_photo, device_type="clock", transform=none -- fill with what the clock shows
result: 10:17:45
